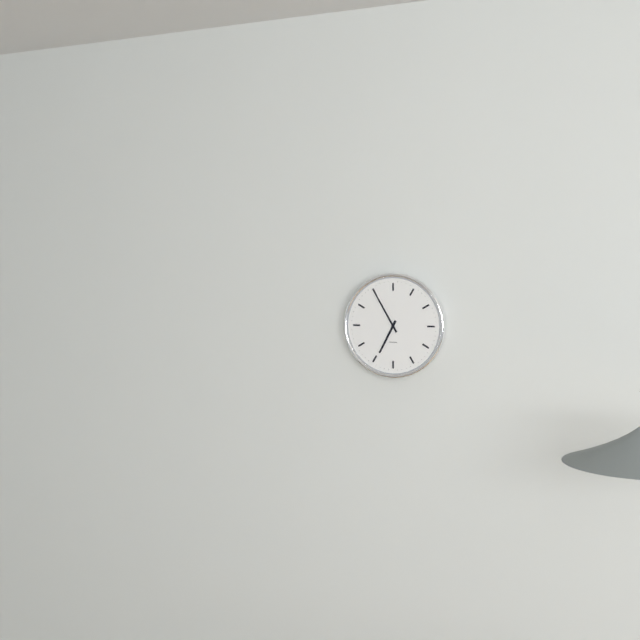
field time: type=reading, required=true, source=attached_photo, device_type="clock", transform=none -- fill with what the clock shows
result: 6:55
